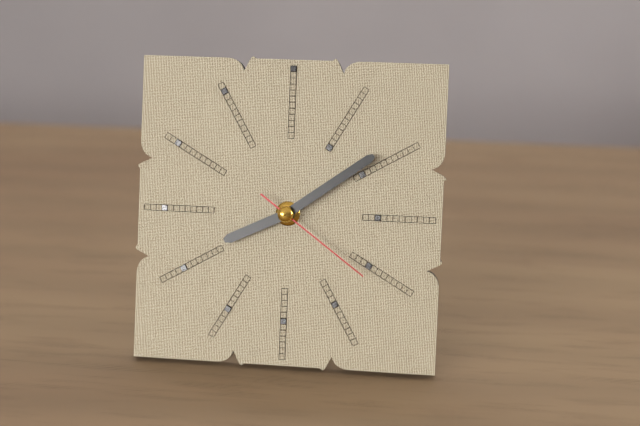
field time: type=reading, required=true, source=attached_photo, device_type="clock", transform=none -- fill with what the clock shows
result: 8:09:21
